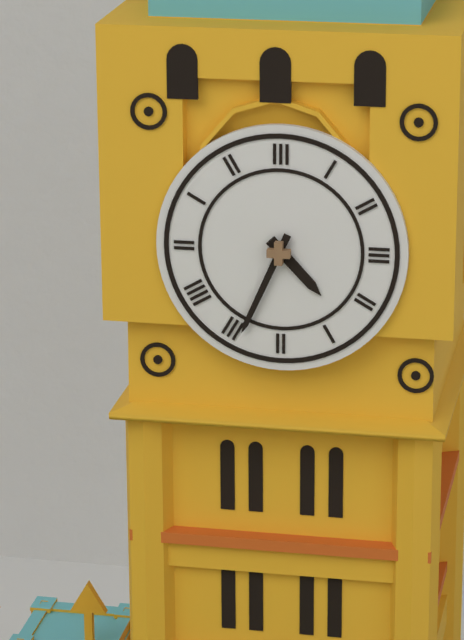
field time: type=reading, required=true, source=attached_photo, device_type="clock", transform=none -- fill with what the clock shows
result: 4:34
